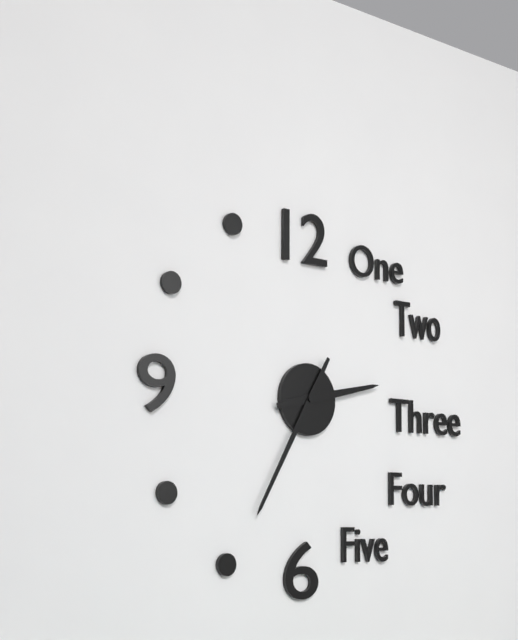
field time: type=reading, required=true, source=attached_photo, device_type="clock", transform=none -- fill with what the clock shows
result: 2:35
